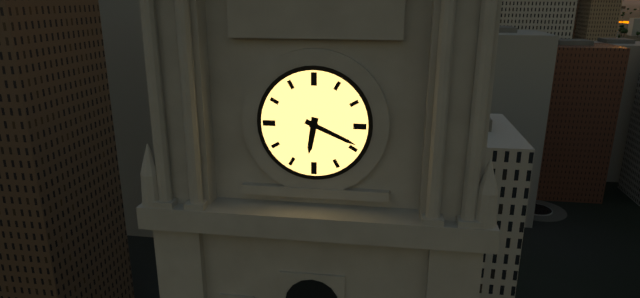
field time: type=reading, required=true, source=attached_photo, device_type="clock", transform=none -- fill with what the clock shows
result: 6:19
